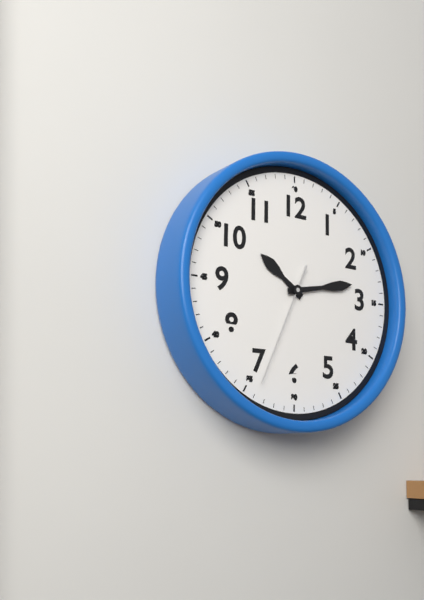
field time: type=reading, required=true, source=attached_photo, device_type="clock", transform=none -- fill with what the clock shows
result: 10:13:34
